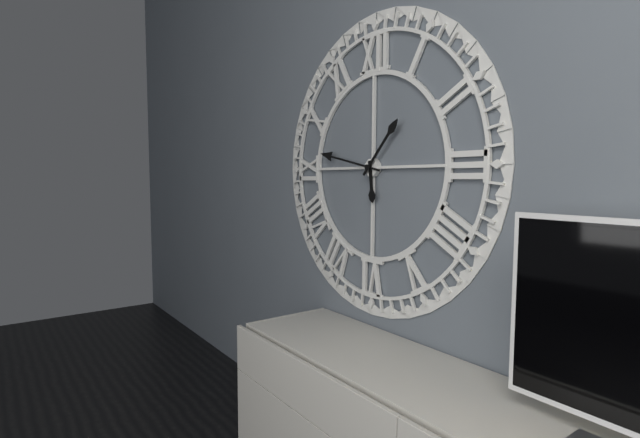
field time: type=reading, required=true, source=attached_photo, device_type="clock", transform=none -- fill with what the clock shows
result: 5:47:07
